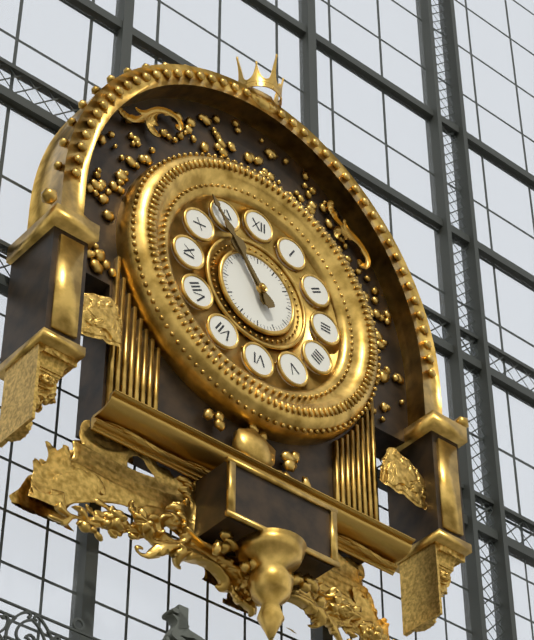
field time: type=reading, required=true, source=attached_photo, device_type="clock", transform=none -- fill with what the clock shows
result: 10:54
